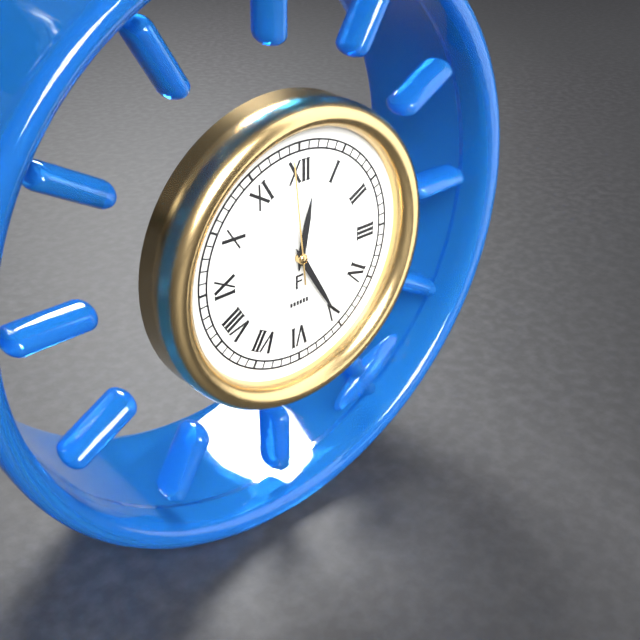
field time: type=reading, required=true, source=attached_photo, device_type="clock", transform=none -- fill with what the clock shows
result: 12:25:59
